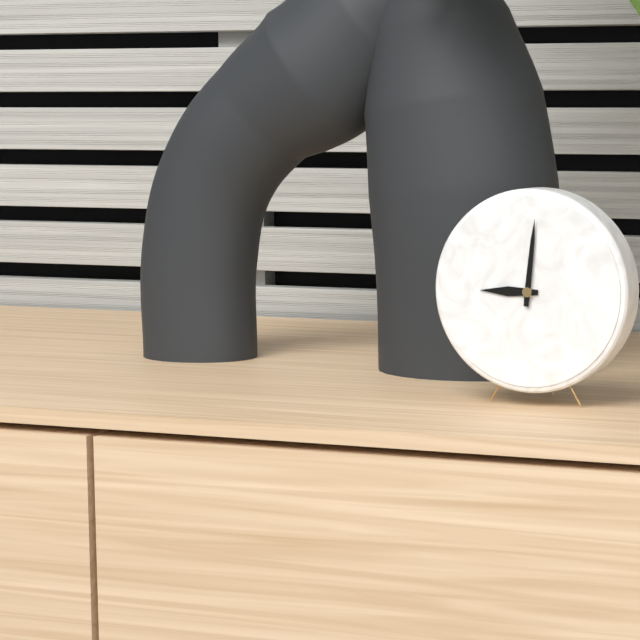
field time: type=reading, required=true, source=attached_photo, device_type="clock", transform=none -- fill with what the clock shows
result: 9:01
